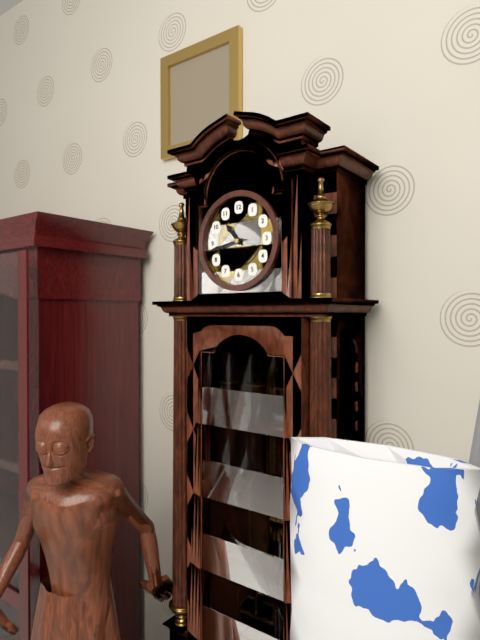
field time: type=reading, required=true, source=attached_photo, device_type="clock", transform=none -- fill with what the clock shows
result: 10:43
